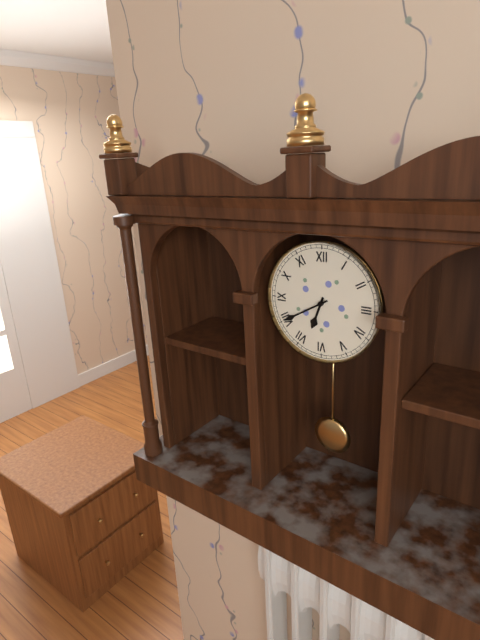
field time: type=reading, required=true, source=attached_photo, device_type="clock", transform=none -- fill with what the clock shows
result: 6:40
